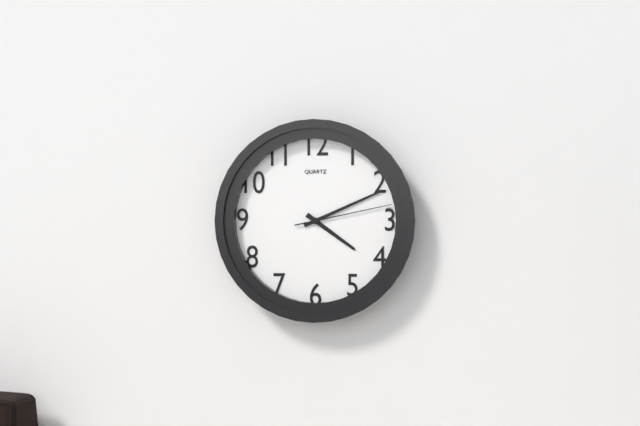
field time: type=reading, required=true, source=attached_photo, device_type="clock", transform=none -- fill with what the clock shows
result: 4:11:13
